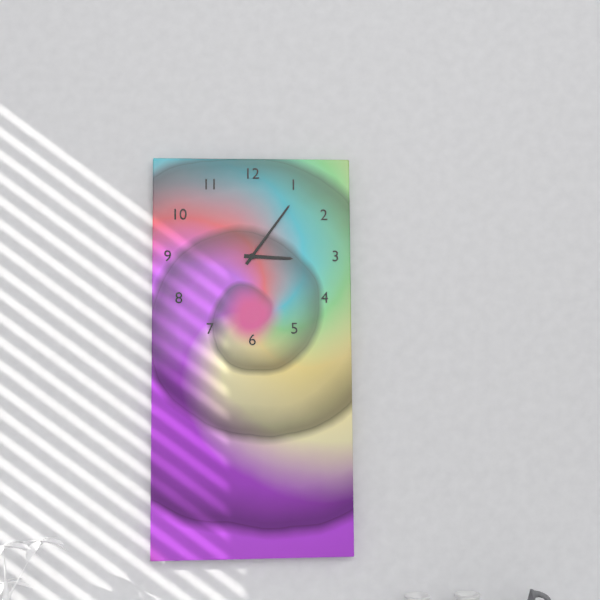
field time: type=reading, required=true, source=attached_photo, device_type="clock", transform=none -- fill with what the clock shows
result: 3:06
